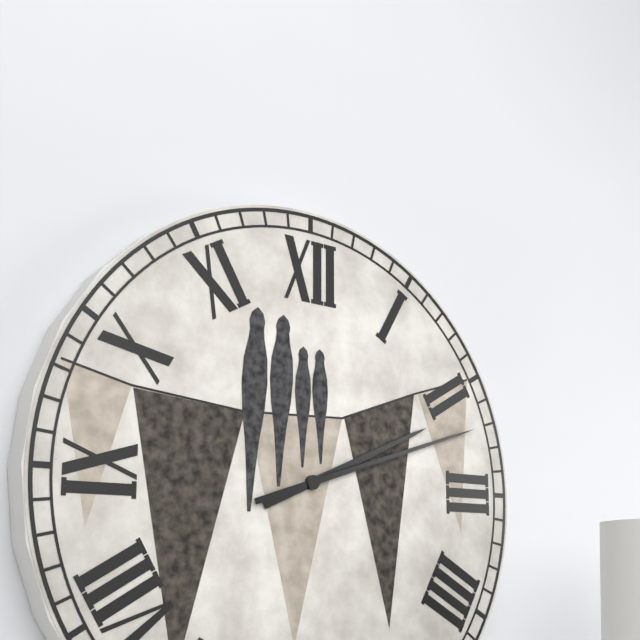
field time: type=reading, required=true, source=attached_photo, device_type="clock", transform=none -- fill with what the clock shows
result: 2:12
